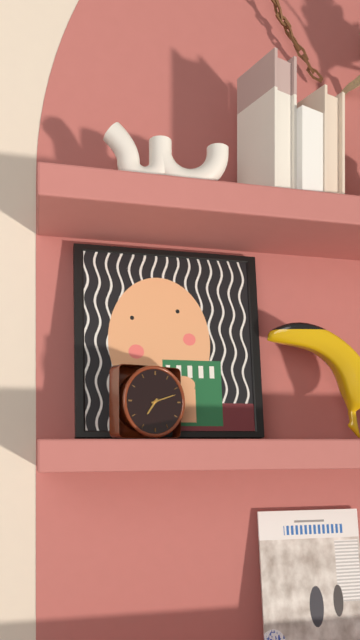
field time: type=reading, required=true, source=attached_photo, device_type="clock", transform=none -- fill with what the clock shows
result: 7:12
